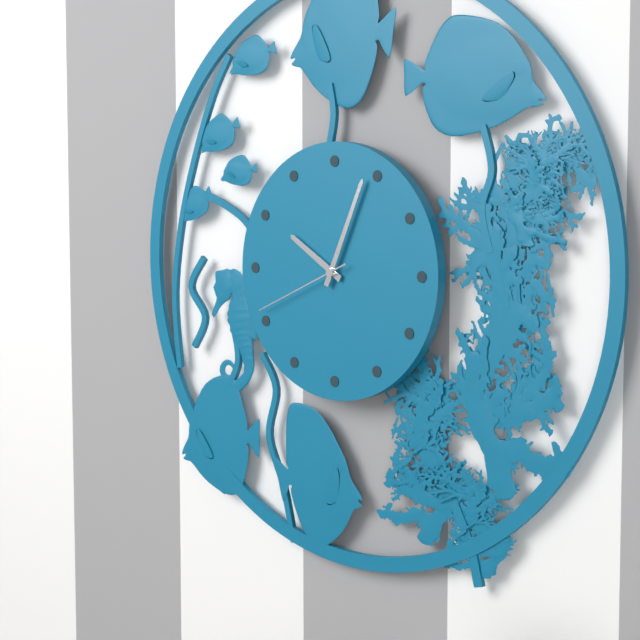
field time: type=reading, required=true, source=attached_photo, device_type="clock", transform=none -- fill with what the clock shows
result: 10:04:41
